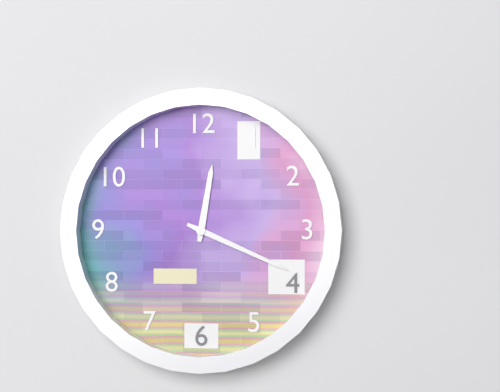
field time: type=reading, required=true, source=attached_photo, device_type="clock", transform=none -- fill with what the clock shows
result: 12:19
